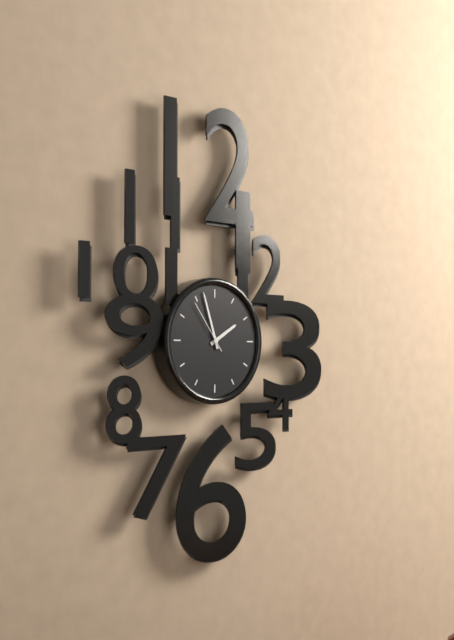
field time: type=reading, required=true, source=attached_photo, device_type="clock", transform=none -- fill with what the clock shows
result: 1:57:54
